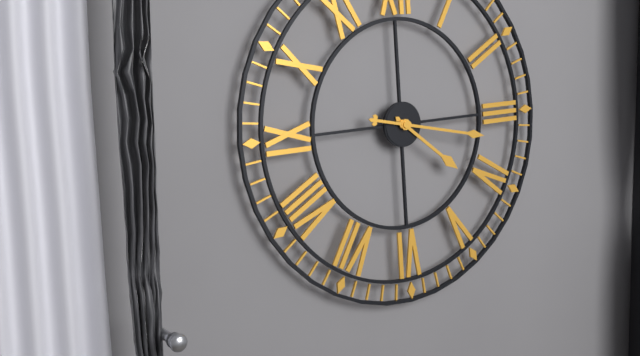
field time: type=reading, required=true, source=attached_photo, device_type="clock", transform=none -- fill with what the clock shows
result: 4:17
